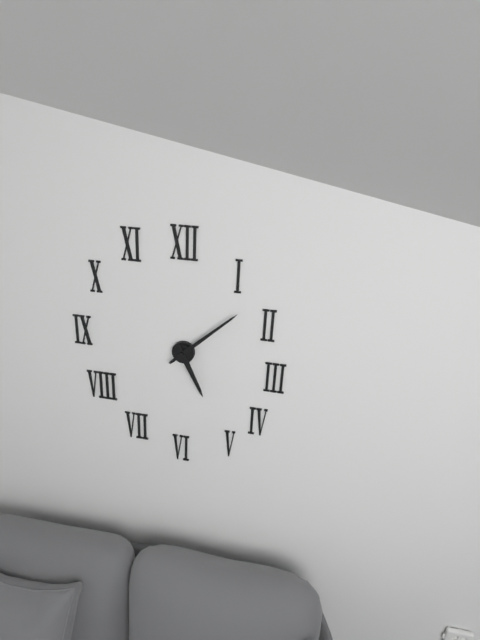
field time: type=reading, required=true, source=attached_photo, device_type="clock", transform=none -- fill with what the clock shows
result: 5:08
